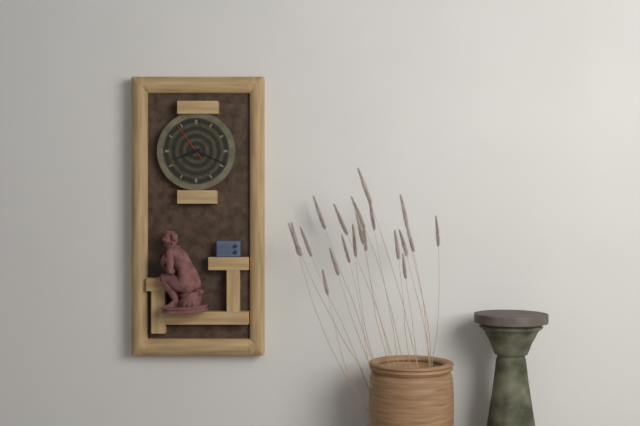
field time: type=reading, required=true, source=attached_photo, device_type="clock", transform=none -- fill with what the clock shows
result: 8:19
